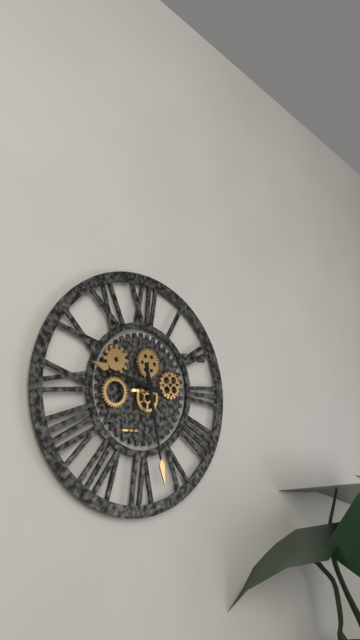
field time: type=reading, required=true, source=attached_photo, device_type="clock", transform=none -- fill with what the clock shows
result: 9:28
